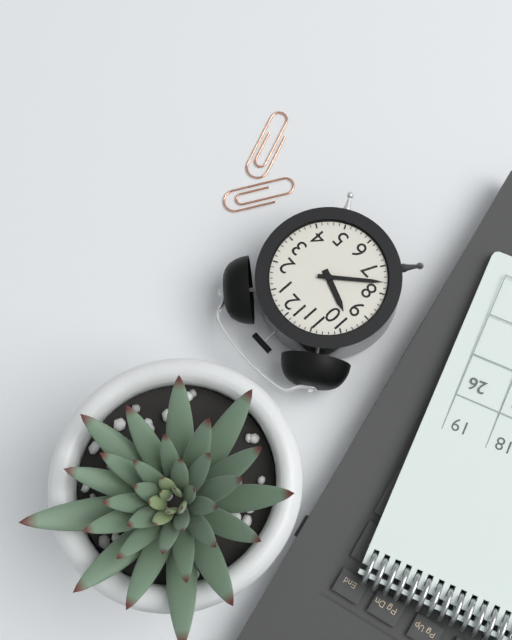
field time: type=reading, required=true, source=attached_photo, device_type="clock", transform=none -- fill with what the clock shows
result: 9:38
